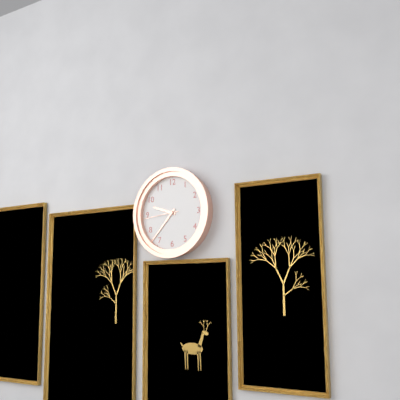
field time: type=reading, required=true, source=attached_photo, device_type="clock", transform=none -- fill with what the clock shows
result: 9:37
